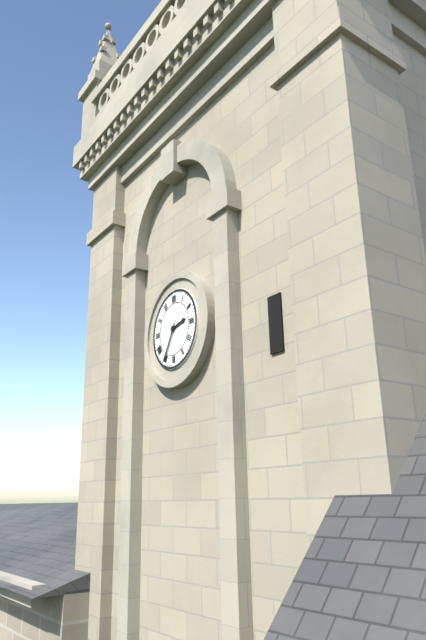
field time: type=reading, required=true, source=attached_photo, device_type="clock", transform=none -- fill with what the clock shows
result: 2:35
